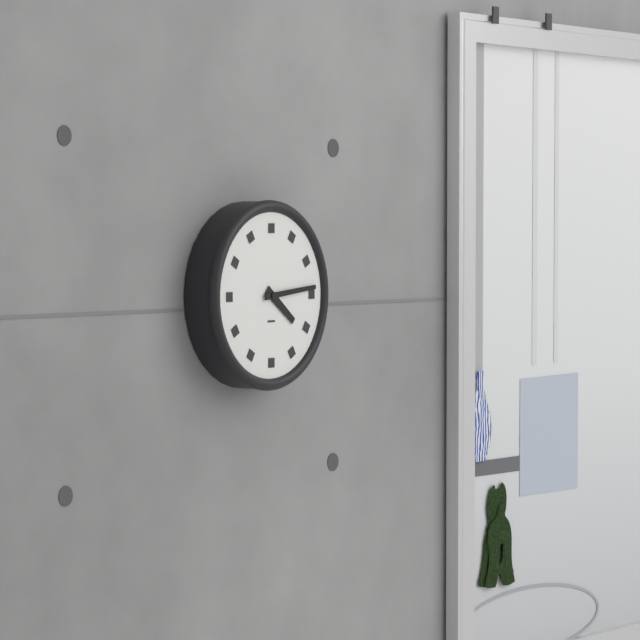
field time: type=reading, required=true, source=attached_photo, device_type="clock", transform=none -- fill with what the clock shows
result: 4:14
